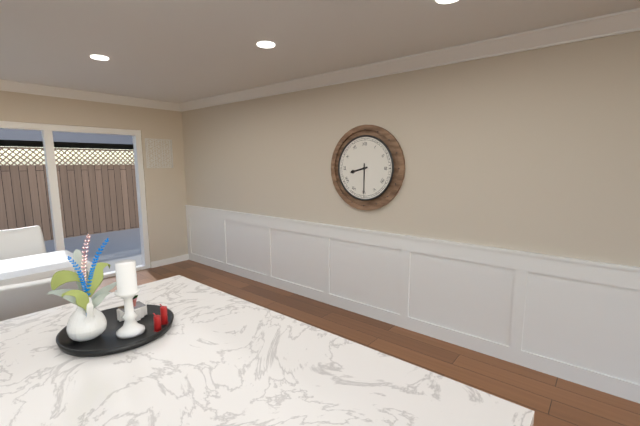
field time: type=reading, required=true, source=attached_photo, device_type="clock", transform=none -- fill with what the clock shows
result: 8:30
